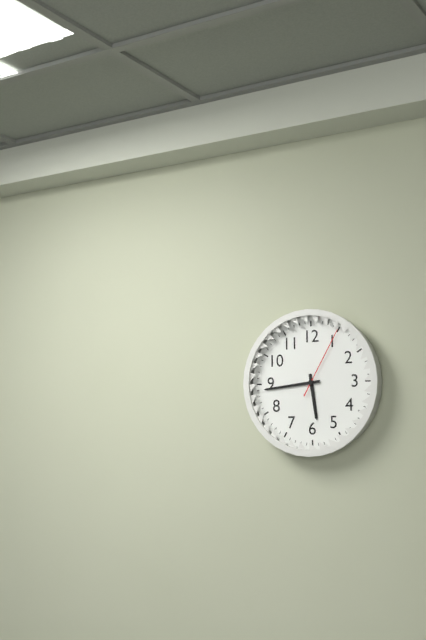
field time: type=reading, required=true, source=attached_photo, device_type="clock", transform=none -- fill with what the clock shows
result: 5:44:05
